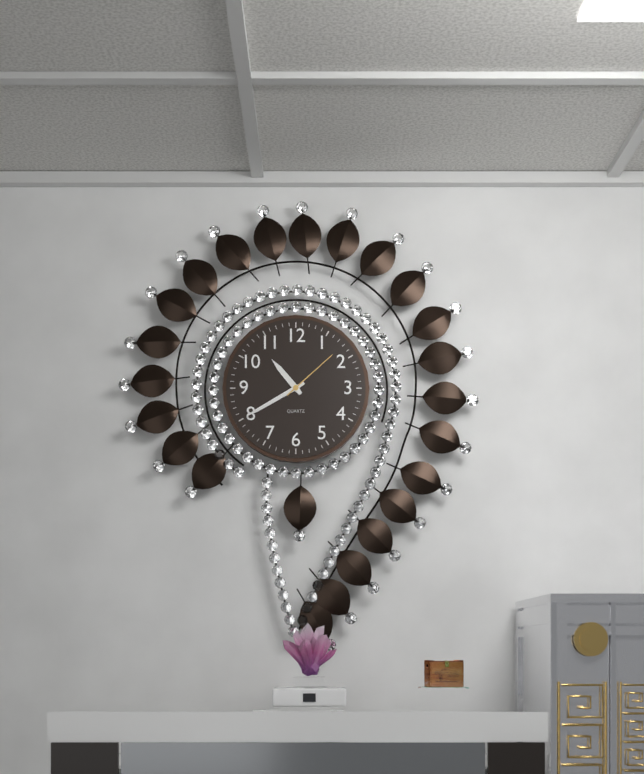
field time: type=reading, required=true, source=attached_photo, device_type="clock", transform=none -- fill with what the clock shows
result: 10:40:08
